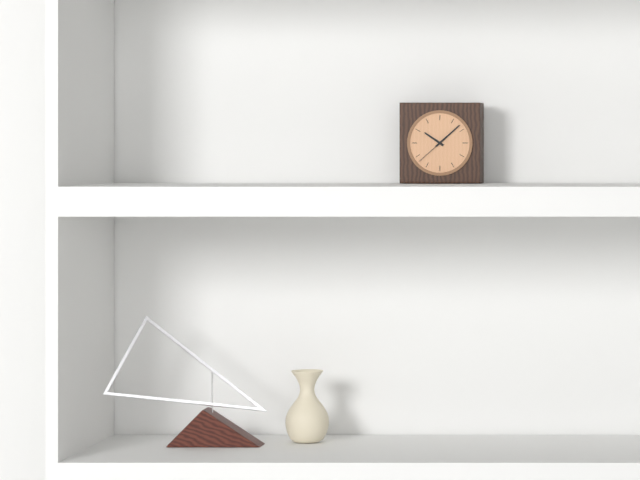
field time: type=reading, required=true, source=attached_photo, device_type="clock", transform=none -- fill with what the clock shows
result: 10:08
